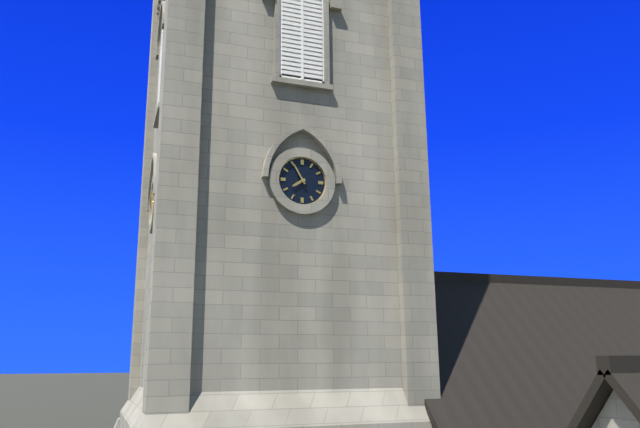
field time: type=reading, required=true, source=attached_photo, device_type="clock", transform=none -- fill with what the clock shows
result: 7:55
